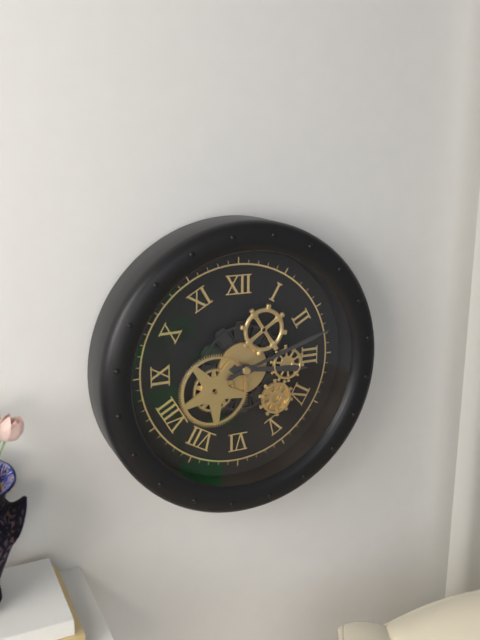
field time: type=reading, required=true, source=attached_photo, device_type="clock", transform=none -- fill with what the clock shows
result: 3:12
